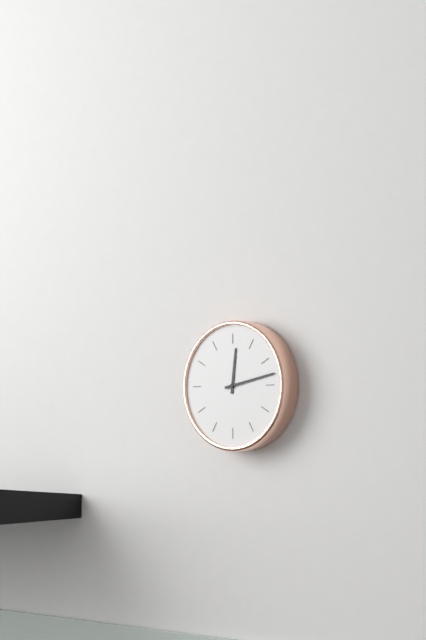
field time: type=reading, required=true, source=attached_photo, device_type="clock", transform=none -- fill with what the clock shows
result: 12:13
